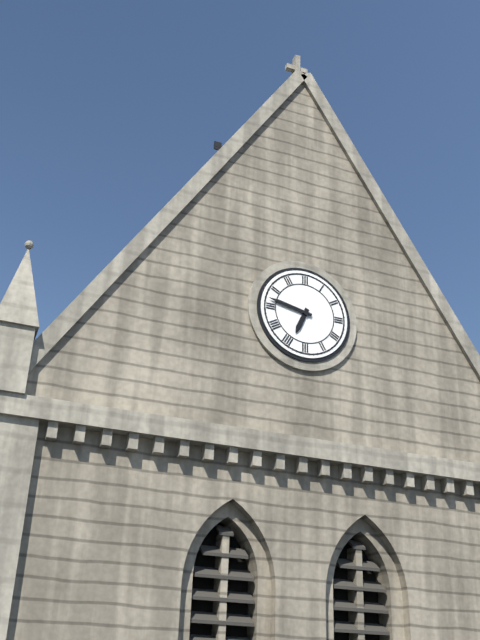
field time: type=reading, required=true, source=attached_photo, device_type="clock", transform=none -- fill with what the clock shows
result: 6:47
